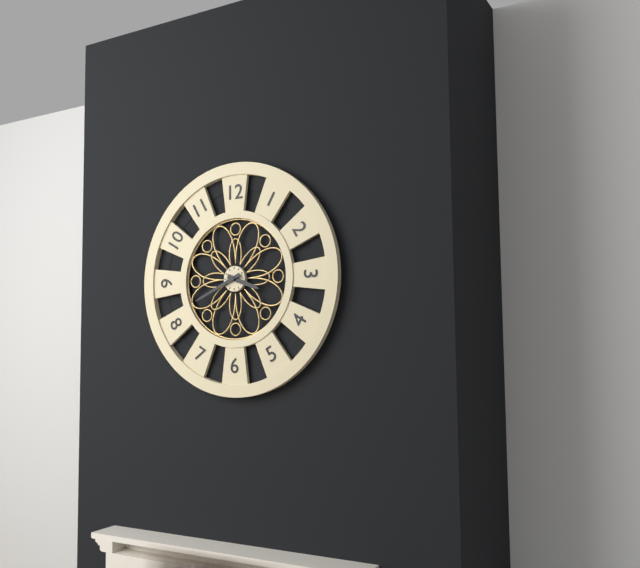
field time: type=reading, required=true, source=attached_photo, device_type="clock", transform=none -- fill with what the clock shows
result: 3:41
